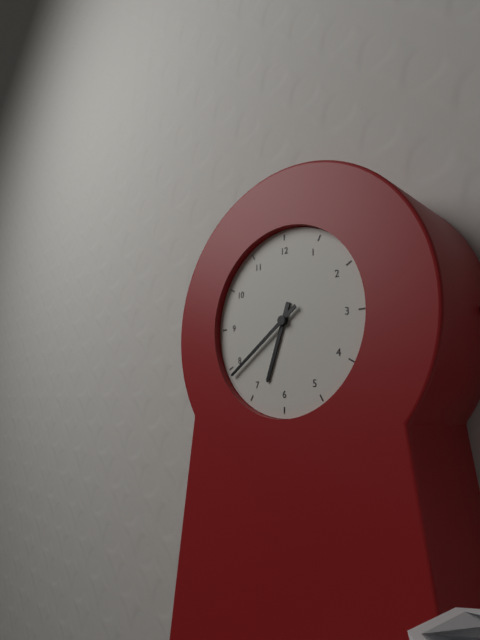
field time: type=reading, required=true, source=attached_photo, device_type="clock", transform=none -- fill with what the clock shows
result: 6:39
